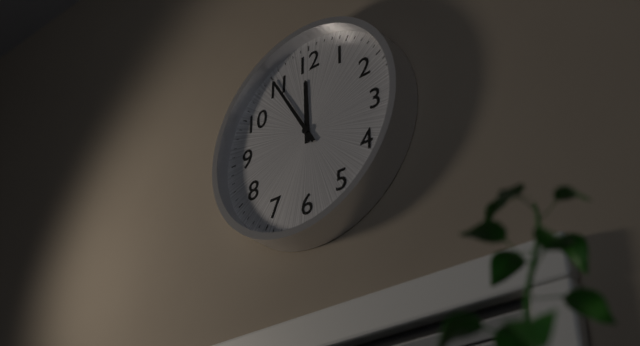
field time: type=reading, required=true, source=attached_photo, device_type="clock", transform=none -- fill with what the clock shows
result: 11:55
